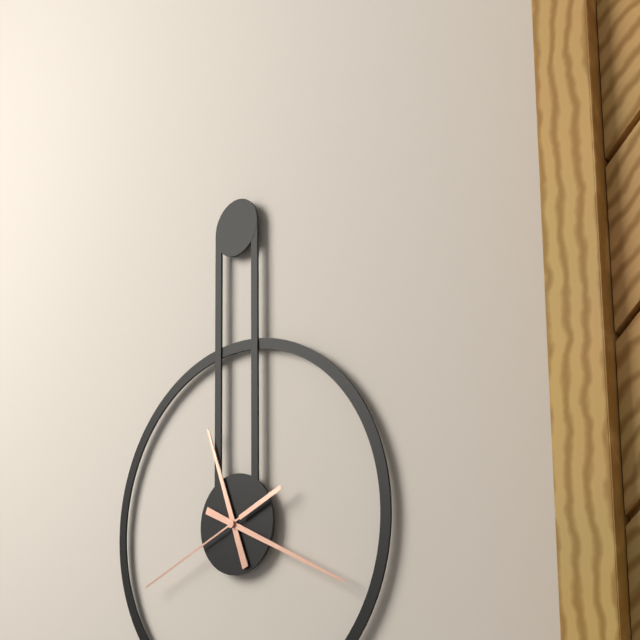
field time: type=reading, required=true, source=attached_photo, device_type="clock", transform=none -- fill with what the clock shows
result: 11:19:41
